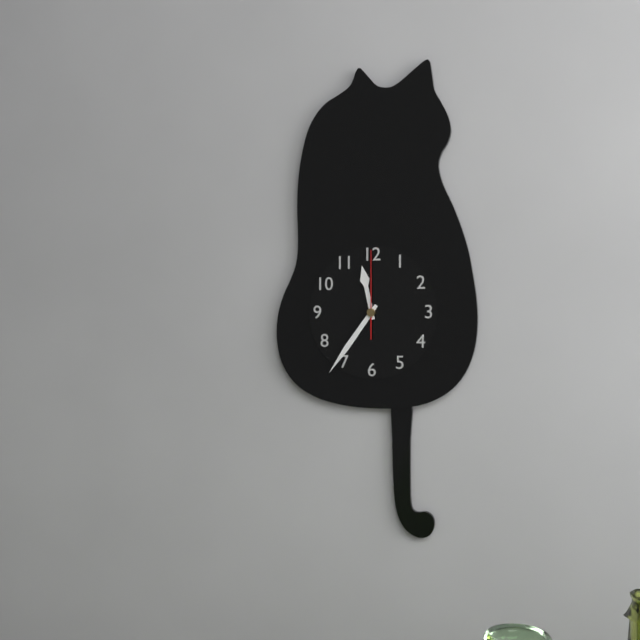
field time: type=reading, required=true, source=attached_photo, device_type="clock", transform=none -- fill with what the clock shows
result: 11:36:00
